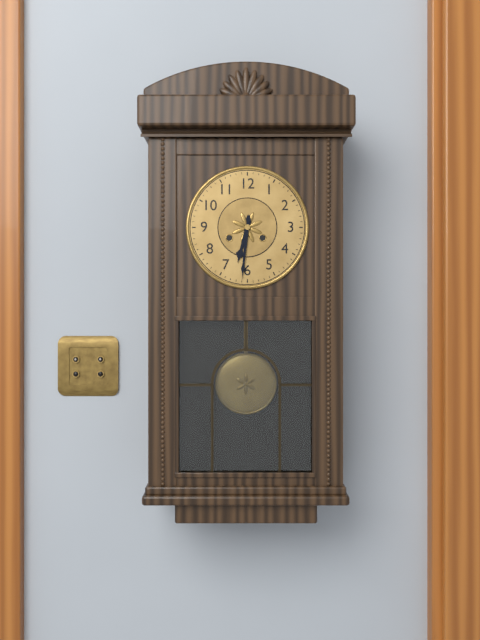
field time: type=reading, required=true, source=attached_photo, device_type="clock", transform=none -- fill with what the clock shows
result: 6:31
